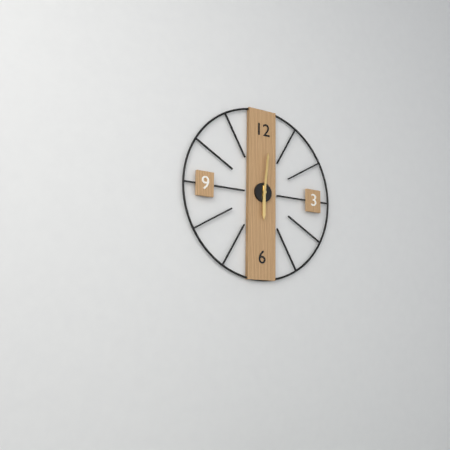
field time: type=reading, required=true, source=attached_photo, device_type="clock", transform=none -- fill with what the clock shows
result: 6:01
